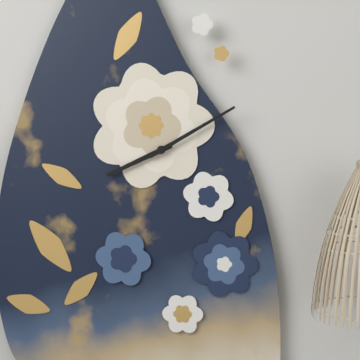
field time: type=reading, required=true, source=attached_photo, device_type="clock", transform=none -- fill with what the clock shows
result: 8:10
